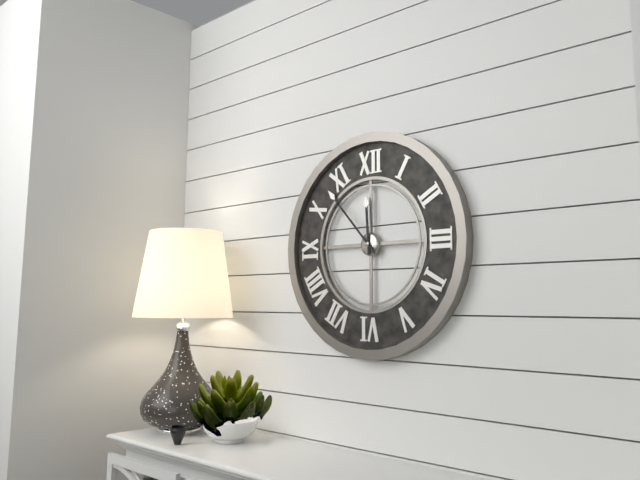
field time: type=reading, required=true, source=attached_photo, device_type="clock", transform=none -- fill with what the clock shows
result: 11:53
